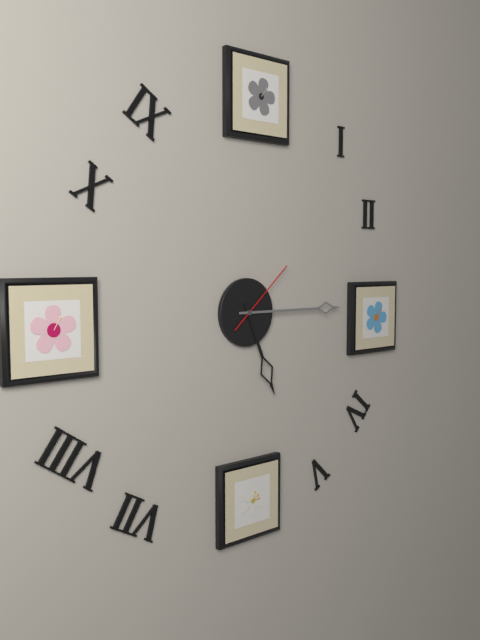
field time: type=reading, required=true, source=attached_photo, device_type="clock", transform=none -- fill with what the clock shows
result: 5:15:08
